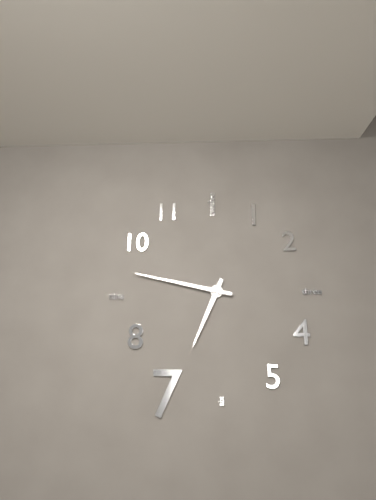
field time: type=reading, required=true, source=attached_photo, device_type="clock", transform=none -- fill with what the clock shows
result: 6:47
